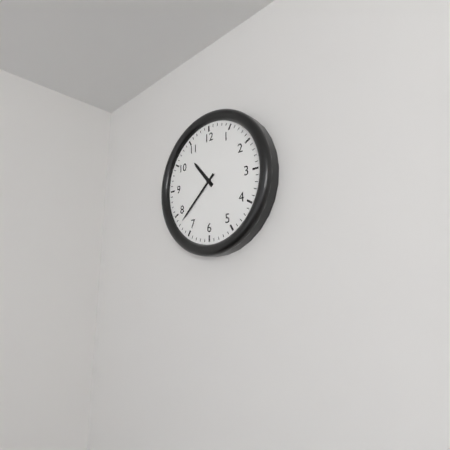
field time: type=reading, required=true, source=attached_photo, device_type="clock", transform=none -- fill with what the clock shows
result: 10:38
